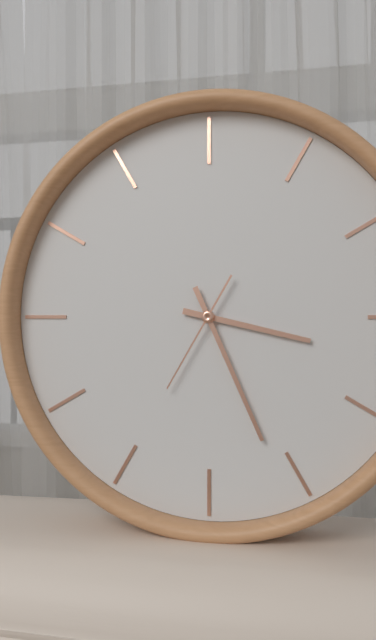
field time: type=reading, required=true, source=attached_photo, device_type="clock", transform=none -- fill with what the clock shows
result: 3:26:35
